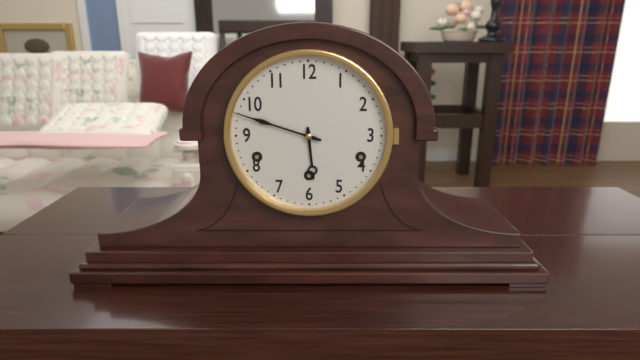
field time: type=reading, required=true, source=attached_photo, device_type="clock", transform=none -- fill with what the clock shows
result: 5:48
